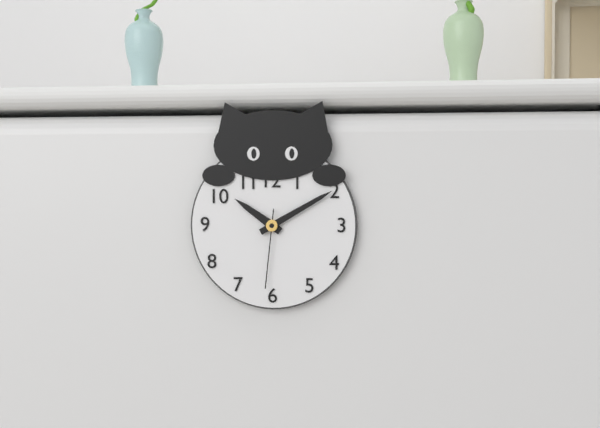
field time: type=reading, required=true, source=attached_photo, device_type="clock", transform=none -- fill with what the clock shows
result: 10:10:31
